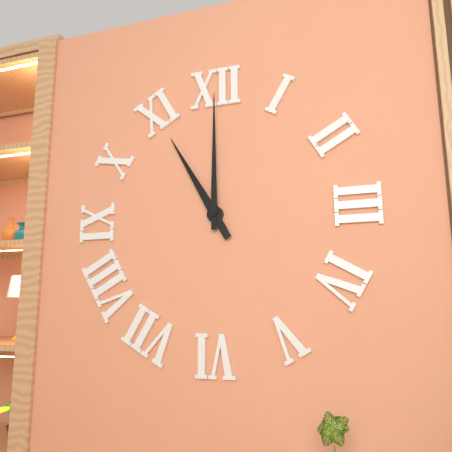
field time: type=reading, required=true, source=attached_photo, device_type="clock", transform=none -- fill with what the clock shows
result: 11:00
